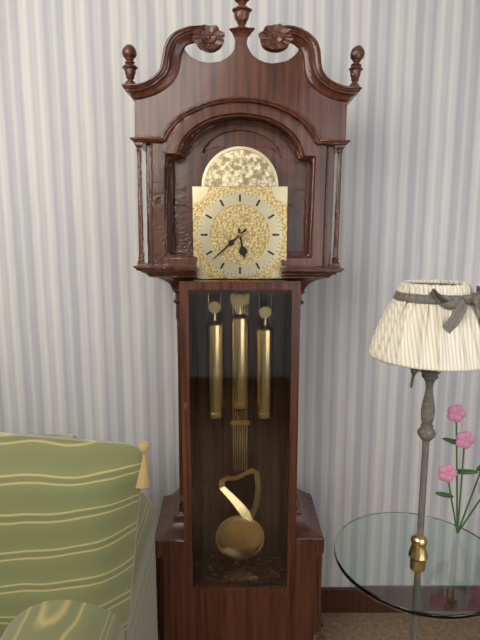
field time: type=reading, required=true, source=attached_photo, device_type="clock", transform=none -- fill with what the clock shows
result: 5:38
